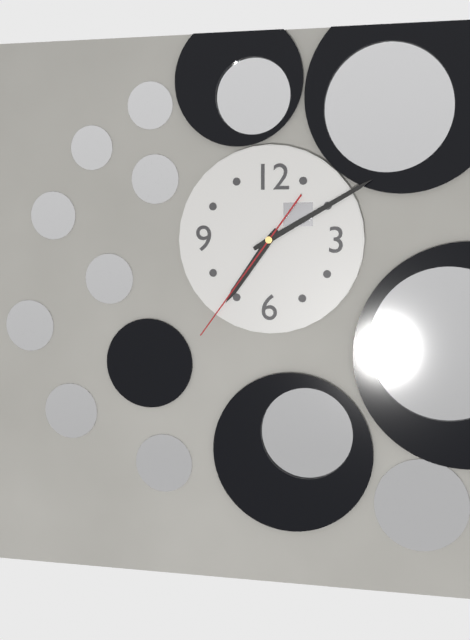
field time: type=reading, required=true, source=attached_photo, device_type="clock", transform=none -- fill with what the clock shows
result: 7:10:36
